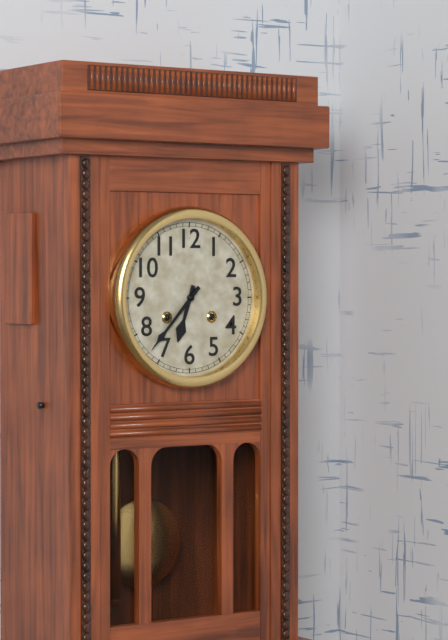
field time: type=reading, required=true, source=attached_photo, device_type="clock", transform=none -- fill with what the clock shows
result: 6:37
